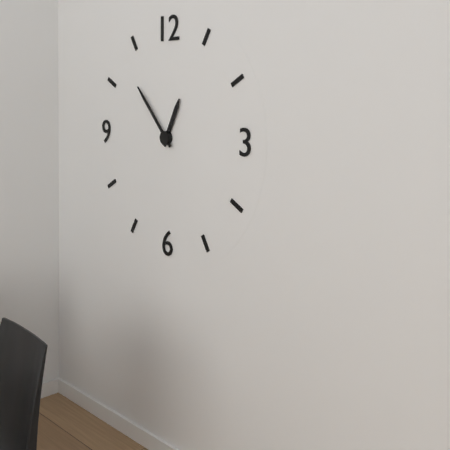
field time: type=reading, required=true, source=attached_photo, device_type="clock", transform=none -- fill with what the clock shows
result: 12:53
